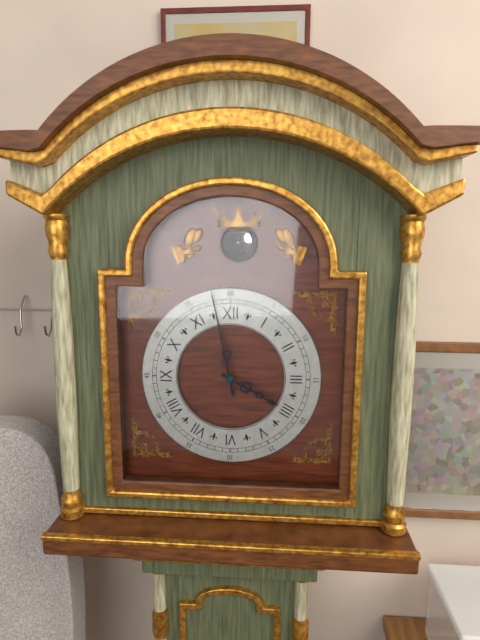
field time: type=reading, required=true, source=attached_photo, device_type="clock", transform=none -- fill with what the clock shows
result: 3:58
